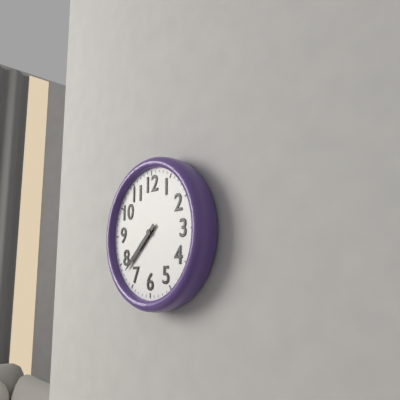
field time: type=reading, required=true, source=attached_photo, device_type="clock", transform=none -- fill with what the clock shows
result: 7:38
